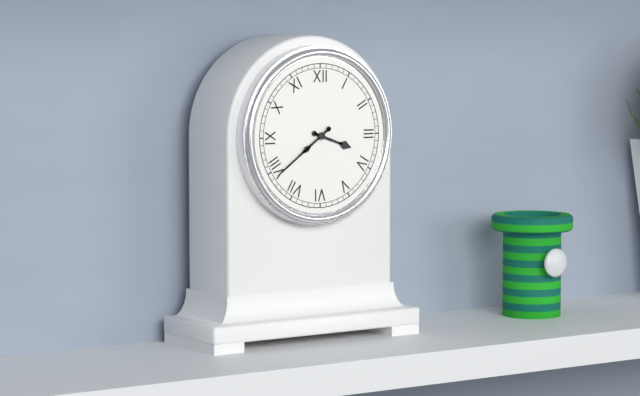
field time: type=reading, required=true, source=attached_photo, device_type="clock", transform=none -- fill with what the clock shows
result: 3:39
